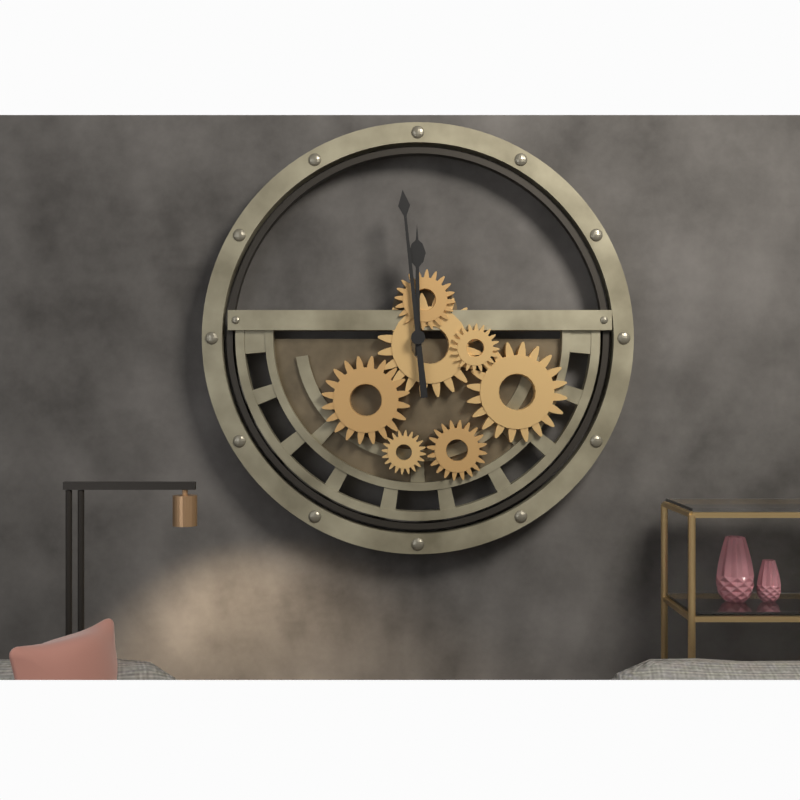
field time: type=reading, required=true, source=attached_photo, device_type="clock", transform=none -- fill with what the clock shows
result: 11:59
